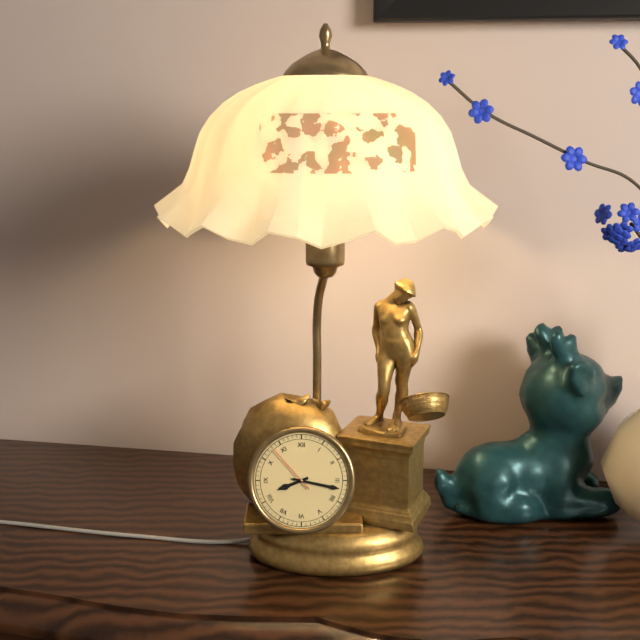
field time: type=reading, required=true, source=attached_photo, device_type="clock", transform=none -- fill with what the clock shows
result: 8:17:53
